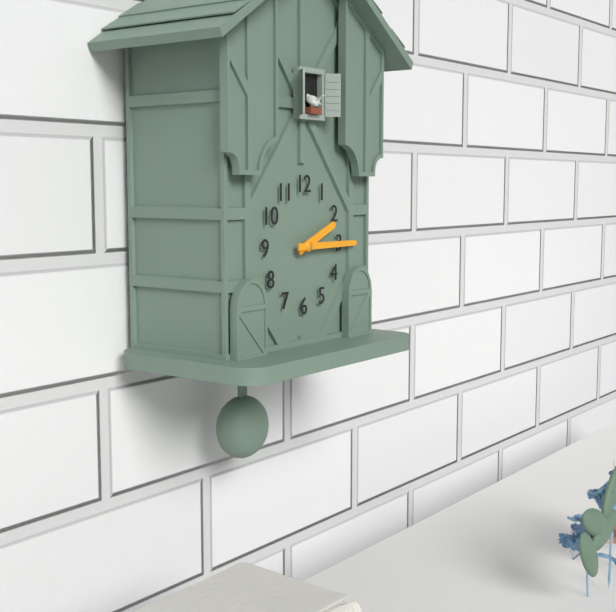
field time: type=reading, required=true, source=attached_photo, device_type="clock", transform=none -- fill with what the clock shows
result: 2:15
